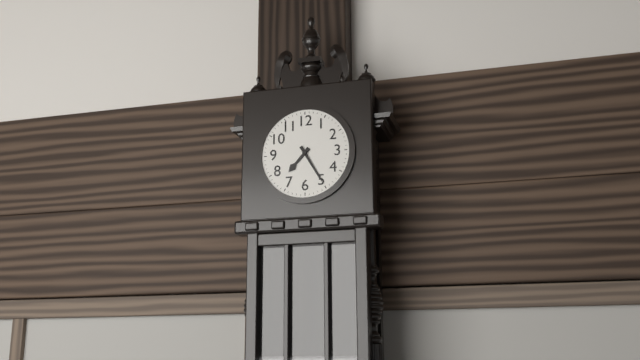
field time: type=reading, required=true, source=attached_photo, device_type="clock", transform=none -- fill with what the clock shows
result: 7:25
